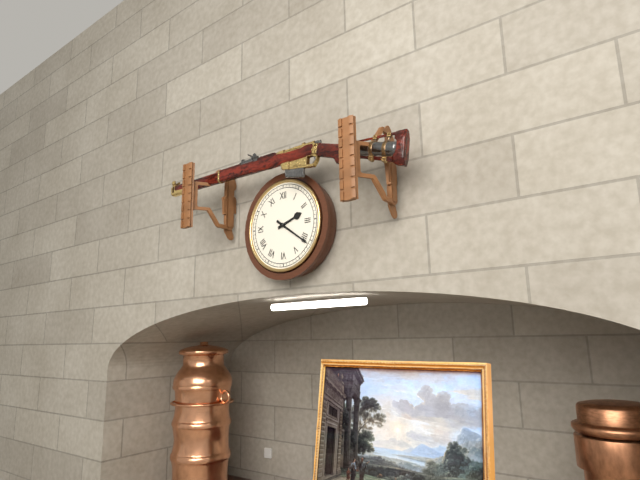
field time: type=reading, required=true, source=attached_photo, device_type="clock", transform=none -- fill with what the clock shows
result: 2:21
